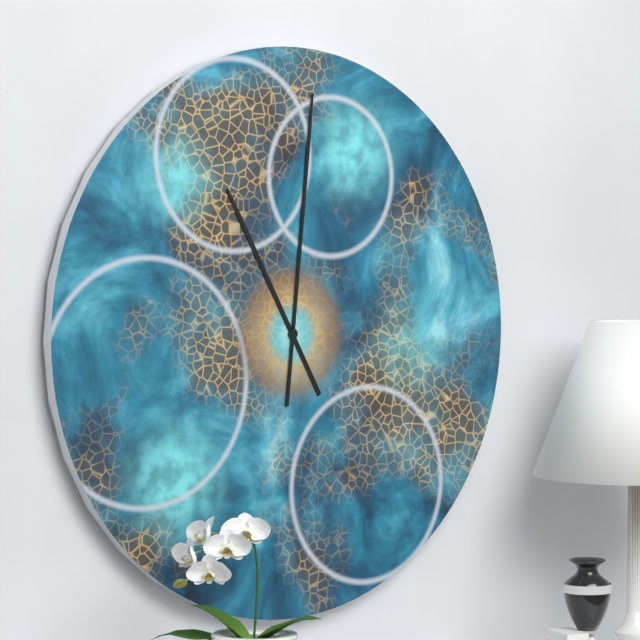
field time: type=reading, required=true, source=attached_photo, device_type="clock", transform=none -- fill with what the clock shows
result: 11:01
